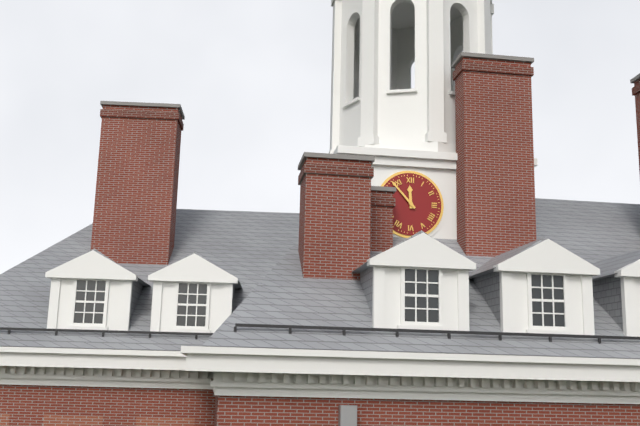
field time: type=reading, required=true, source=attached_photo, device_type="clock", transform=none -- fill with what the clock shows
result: 11:53
